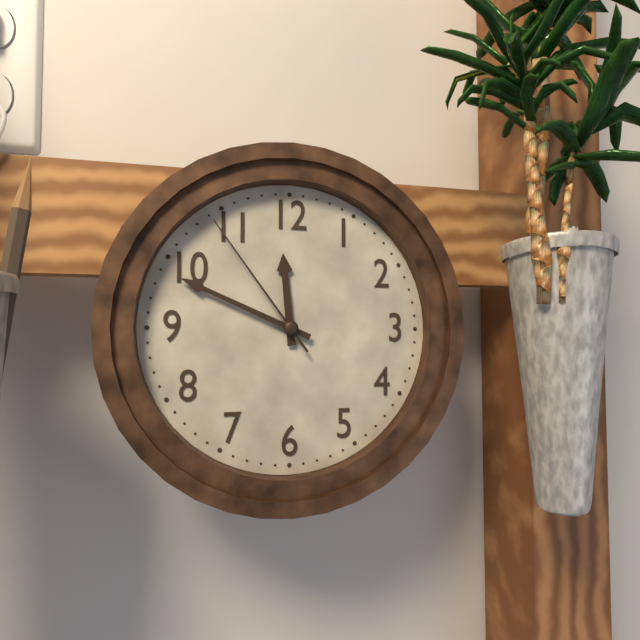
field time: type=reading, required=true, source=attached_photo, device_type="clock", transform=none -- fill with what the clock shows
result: 11:49:54
